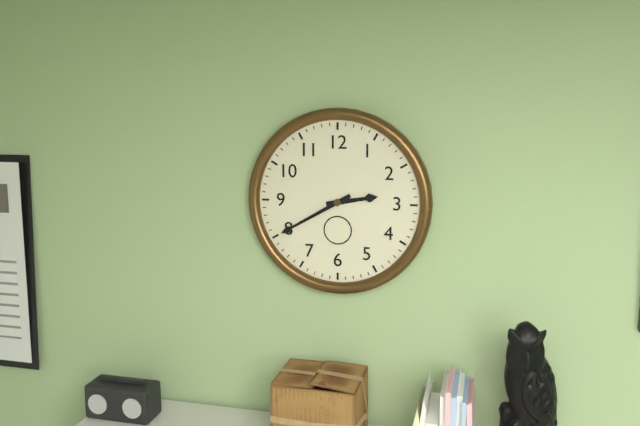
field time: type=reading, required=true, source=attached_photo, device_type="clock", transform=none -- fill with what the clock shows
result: 2:40
